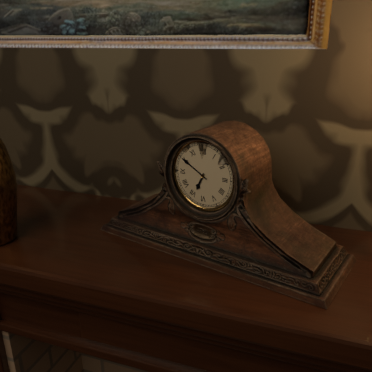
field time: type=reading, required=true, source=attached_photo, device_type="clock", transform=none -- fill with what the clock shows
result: 6:50
